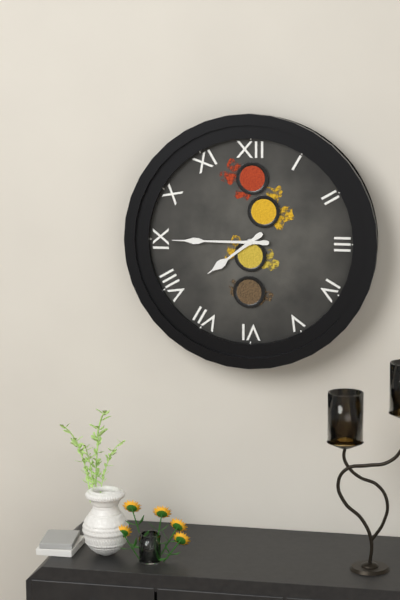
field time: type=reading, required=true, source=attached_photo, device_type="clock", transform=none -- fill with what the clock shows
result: 7:45
